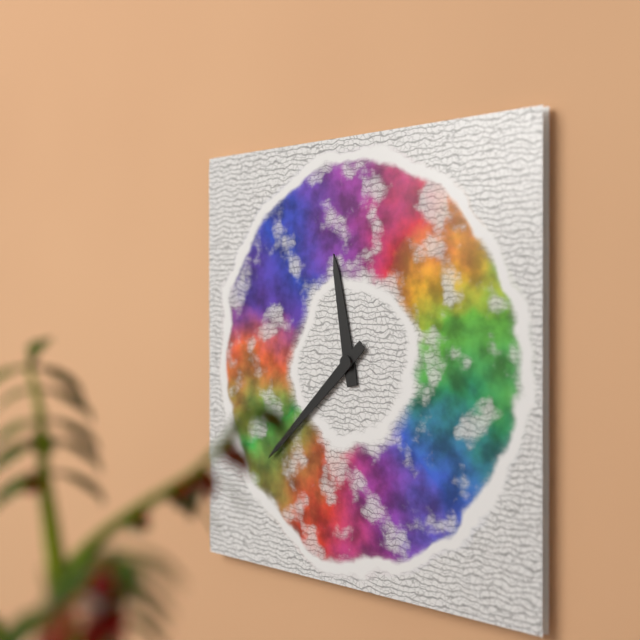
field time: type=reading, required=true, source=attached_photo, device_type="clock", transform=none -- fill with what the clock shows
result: 11:38
